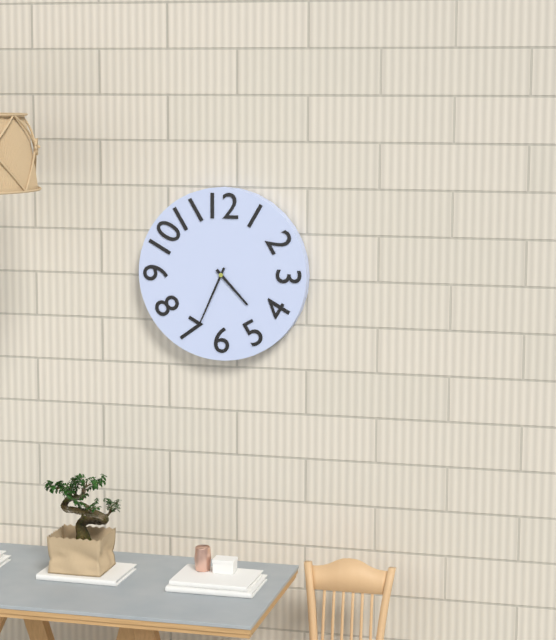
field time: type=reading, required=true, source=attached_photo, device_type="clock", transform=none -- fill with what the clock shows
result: 4:34
